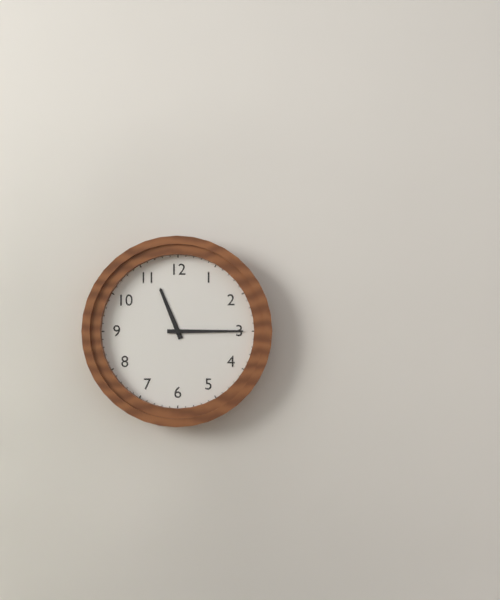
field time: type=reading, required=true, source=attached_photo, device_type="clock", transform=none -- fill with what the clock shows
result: 11:15
